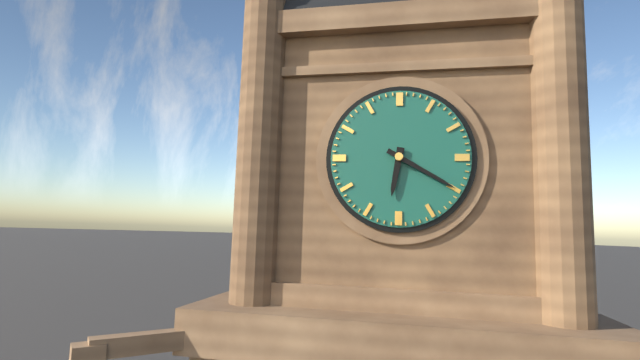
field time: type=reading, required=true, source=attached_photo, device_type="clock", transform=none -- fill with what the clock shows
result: 6:20
